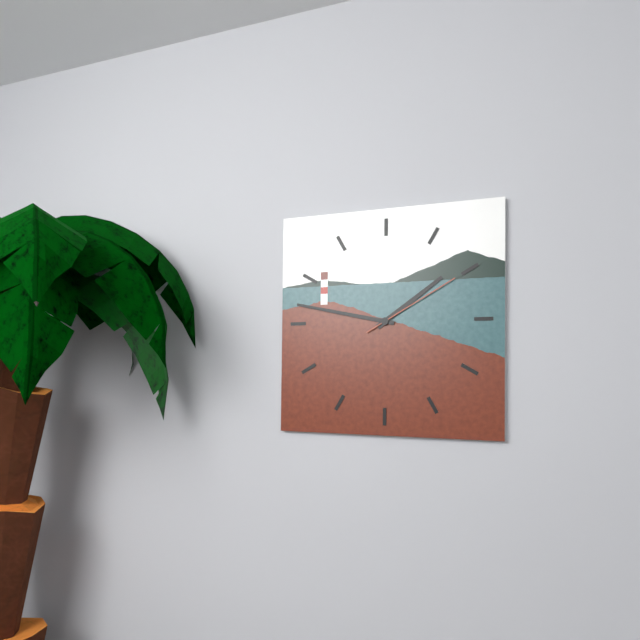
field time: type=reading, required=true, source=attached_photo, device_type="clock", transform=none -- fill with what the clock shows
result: 1:47:10
